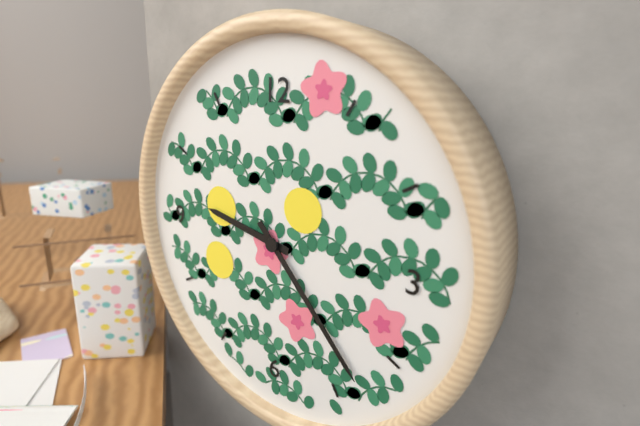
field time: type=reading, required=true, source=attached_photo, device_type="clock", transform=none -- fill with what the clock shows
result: 9:23
